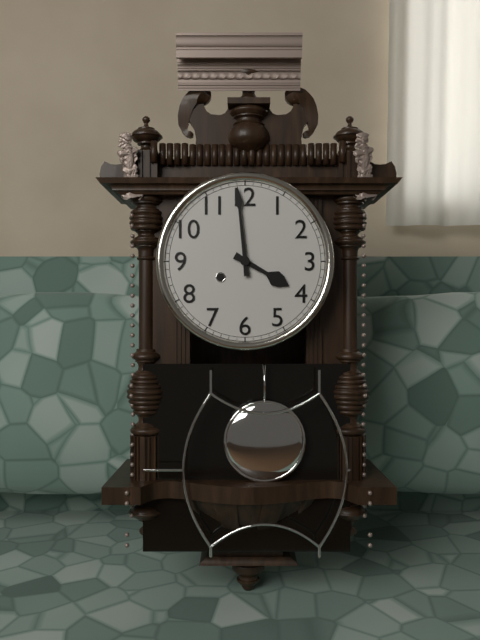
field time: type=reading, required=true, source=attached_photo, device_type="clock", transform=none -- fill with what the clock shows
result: 3:59
